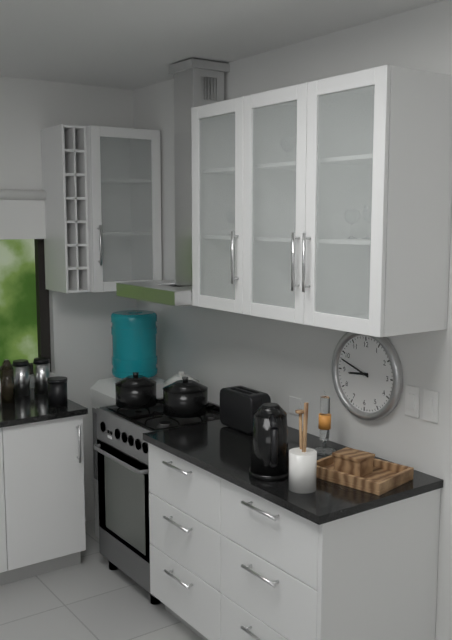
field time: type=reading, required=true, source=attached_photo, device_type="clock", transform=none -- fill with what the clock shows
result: 8:48
